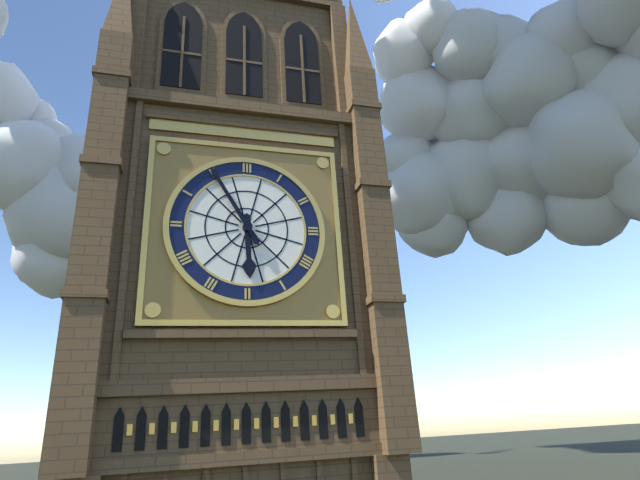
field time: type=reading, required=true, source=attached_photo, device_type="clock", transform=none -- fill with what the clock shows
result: 5:55
